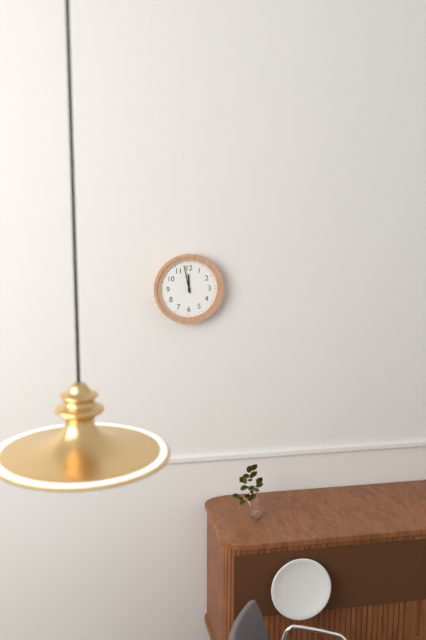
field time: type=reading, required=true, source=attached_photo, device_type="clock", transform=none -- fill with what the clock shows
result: 11:58
